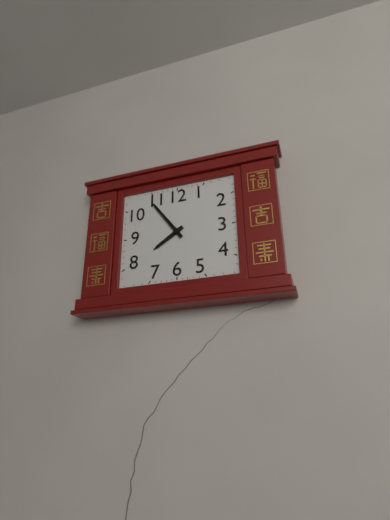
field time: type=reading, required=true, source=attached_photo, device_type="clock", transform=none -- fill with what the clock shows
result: 7:54
